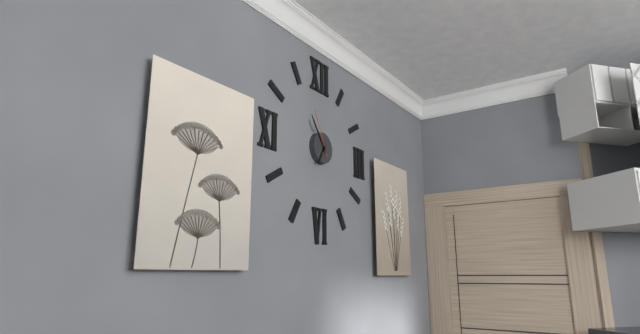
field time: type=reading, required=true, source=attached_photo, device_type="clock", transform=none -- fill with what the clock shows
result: 6:54
